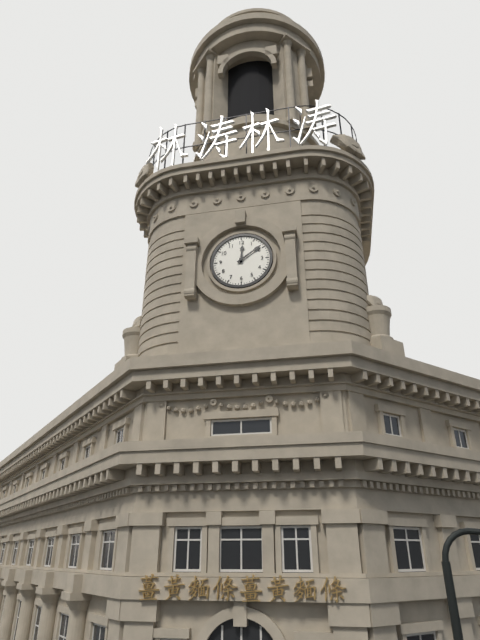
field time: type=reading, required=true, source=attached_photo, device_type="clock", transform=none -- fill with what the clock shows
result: 12:09
